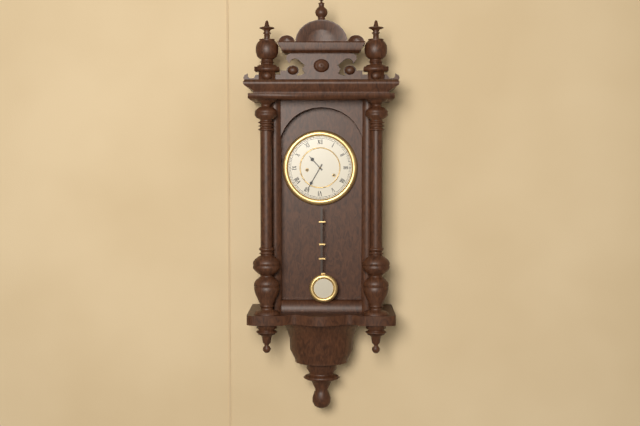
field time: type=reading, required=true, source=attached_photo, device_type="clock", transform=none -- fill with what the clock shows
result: 10:35
